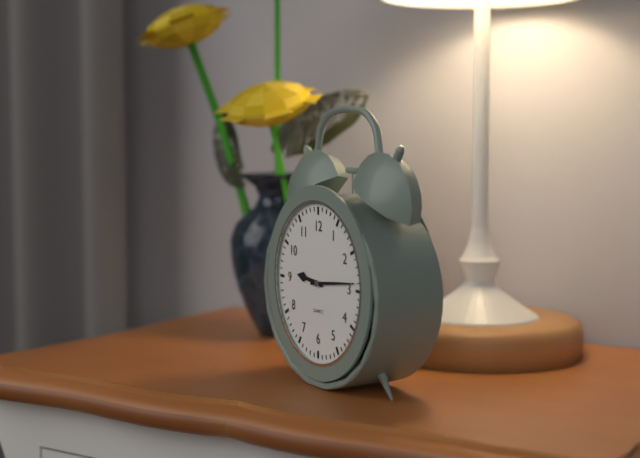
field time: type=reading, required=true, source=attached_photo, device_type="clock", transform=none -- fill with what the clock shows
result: 9:14
